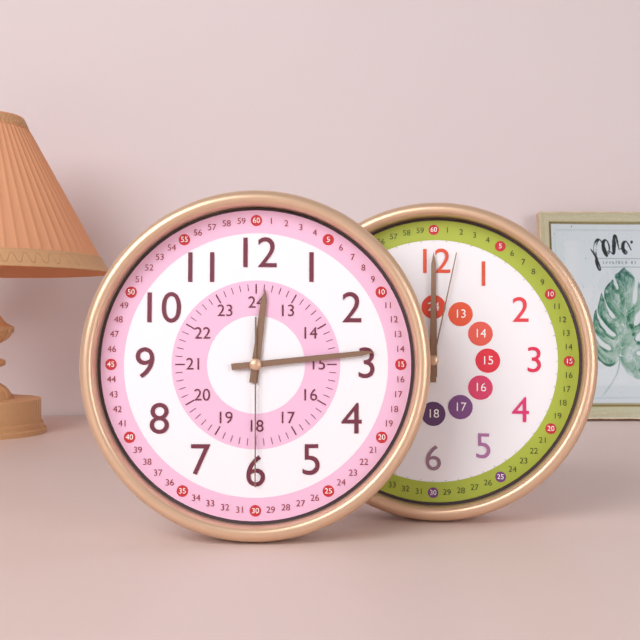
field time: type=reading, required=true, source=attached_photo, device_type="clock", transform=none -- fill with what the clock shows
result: 12:14:30
